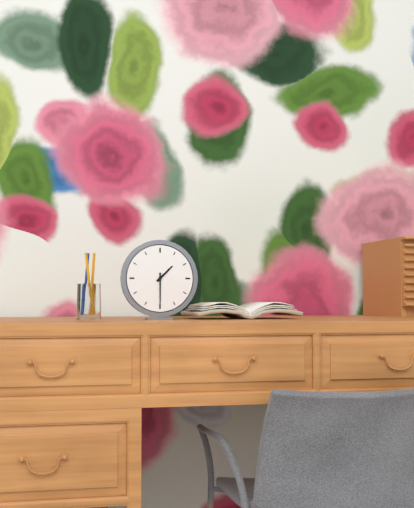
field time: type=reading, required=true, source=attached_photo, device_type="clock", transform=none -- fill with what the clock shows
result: 1:30
